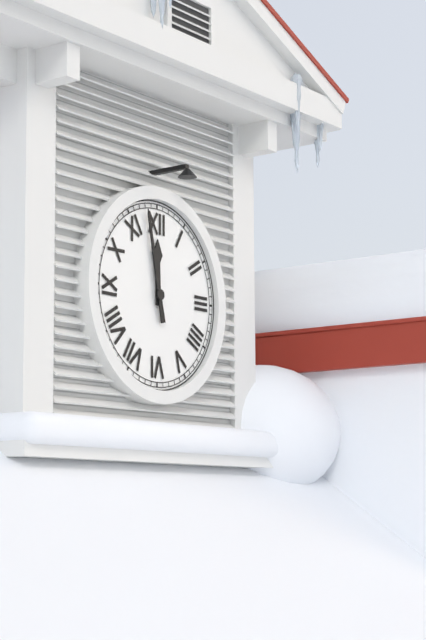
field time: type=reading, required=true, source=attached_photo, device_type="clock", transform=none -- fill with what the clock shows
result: 11:58
